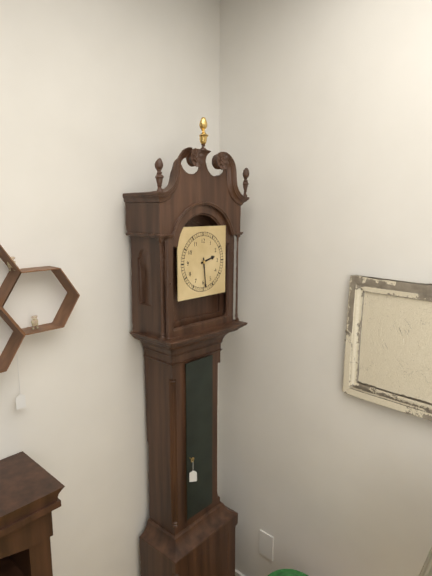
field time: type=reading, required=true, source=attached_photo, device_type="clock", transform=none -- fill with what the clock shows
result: 2:29
